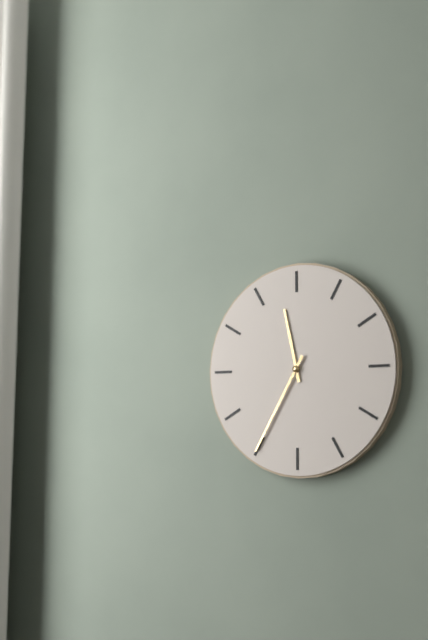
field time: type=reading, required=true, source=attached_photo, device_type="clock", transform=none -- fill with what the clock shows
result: 11:35
